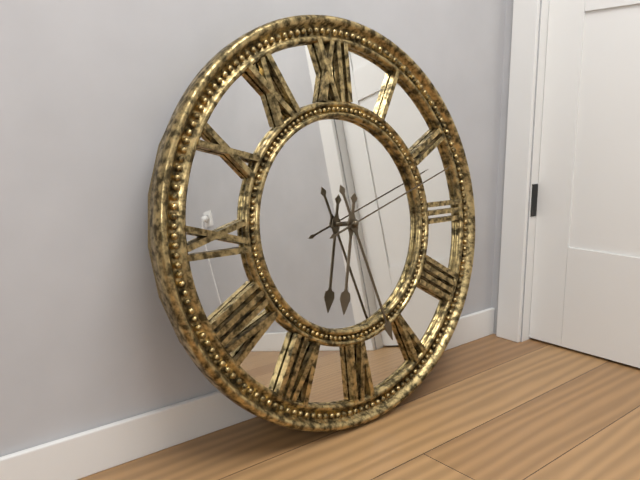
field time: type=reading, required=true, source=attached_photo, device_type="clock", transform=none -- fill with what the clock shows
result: 6:27:12
